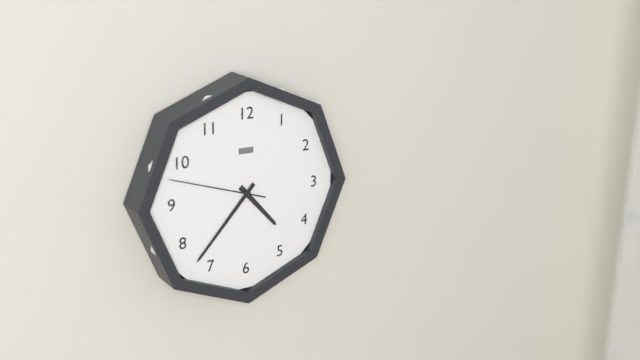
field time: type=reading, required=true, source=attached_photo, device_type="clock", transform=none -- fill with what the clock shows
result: 4:37:48
